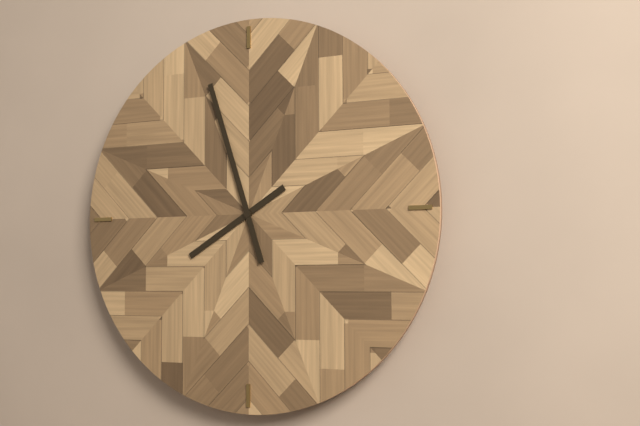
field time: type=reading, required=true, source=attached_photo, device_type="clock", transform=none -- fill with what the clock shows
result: 7:57
